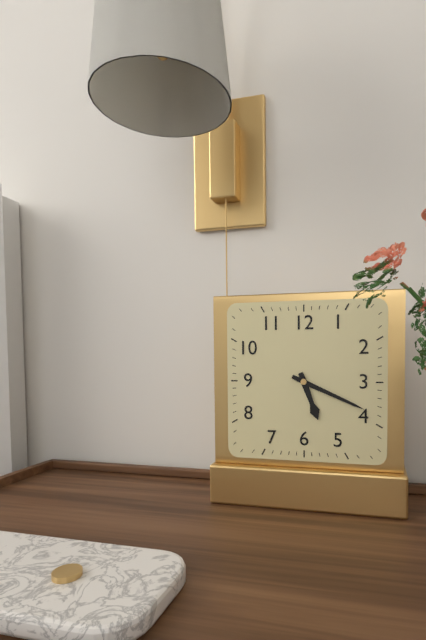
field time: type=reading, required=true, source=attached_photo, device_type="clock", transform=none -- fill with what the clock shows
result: 5:19
